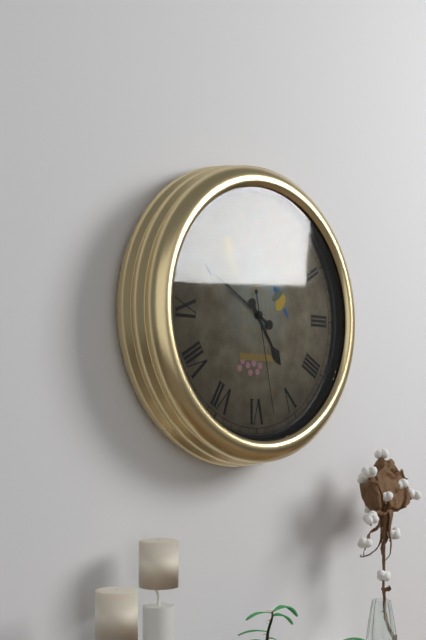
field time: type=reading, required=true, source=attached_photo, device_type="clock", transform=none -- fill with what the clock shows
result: 4:50:28
